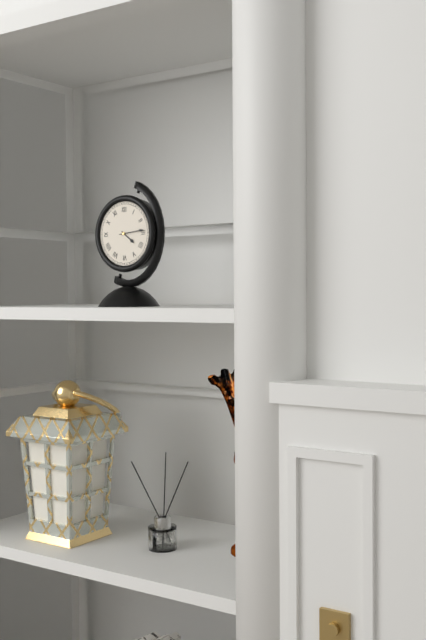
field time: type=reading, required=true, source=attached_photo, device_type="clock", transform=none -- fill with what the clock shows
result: 4:14
